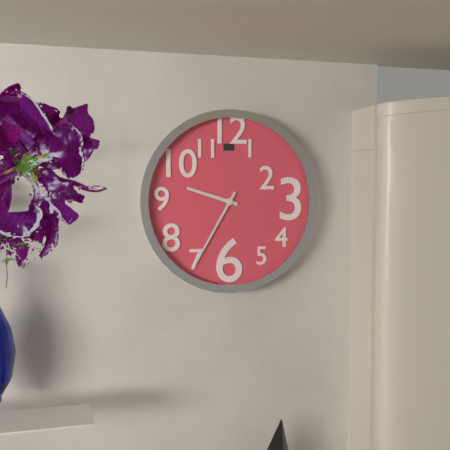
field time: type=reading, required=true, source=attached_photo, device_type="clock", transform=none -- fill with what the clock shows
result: 9:35
